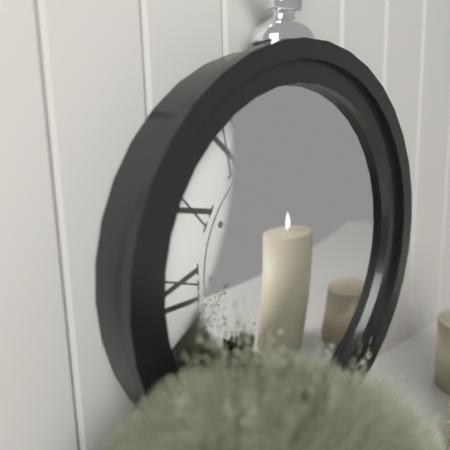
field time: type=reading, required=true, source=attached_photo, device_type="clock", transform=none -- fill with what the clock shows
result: 12:10
